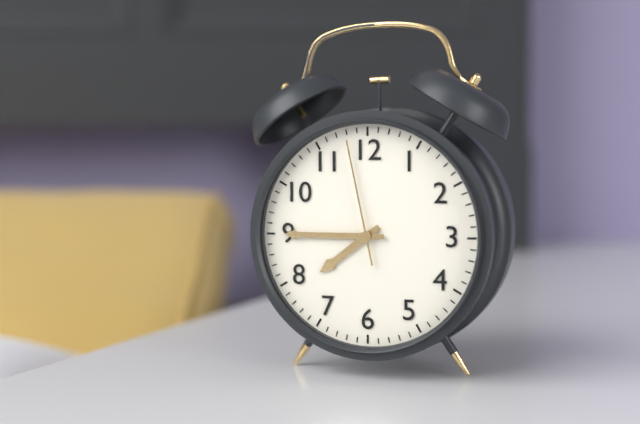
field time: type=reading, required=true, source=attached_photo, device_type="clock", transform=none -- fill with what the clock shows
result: 7:45:58
